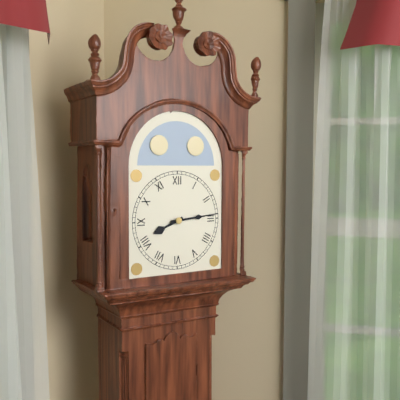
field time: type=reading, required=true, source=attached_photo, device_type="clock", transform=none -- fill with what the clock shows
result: 8:14
